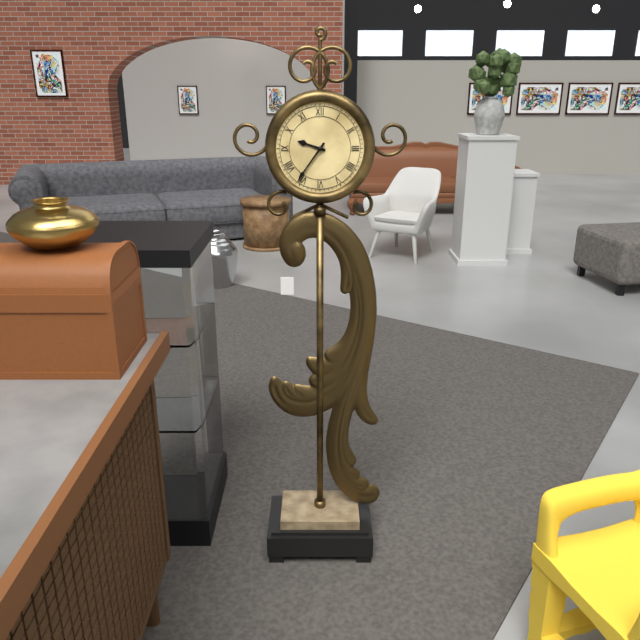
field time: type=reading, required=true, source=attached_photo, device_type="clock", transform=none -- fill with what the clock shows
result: 9:36
